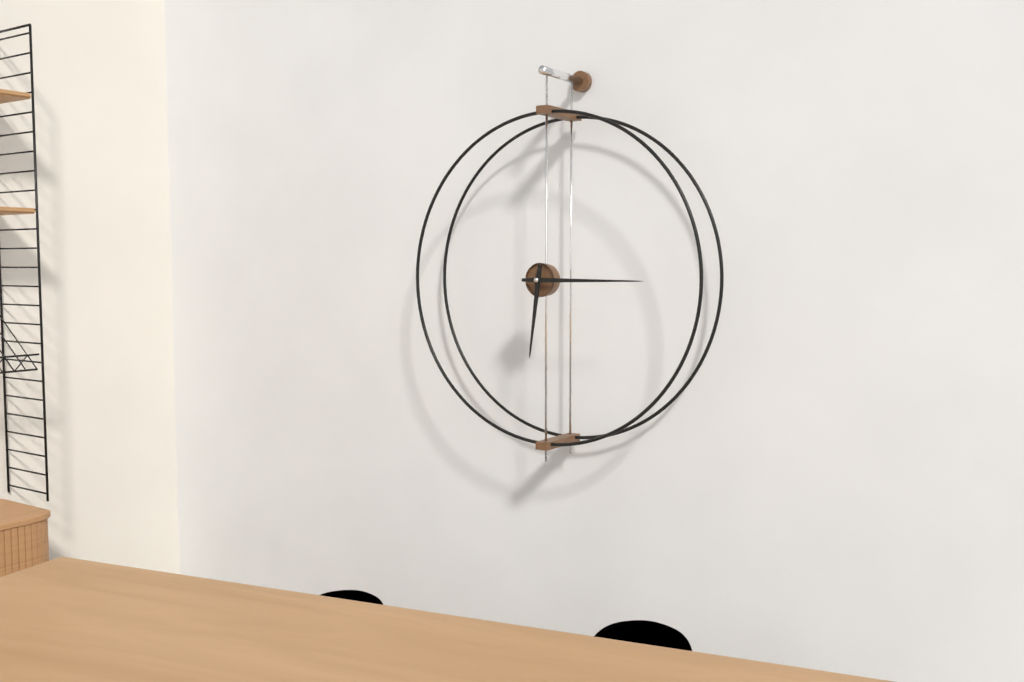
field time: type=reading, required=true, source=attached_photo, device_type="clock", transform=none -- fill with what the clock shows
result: 6:15
